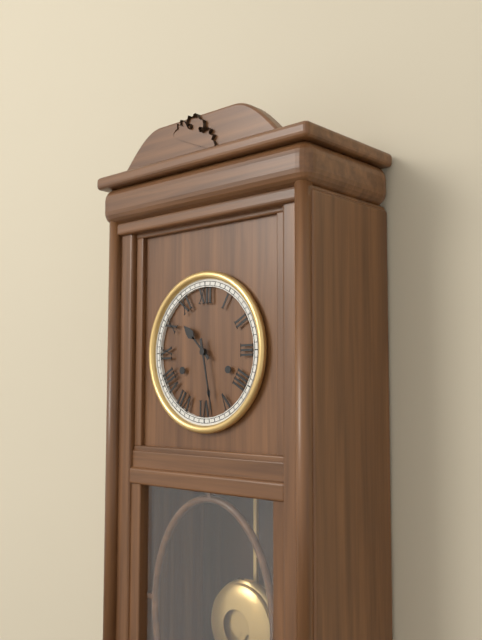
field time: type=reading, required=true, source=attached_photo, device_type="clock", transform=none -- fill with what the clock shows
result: 10:28
